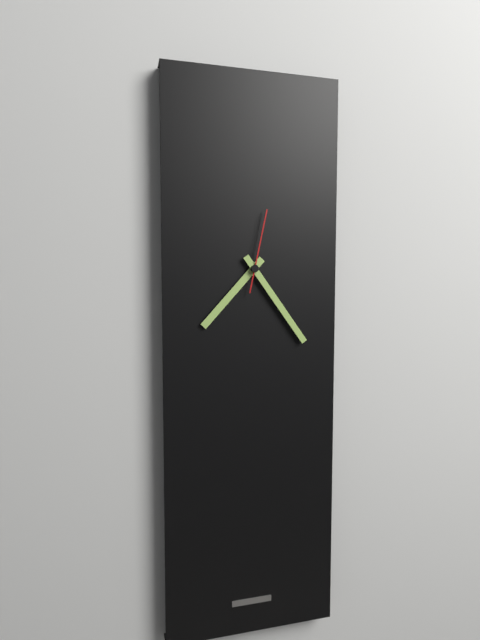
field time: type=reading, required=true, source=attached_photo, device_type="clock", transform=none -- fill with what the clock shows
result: 7:24:02
